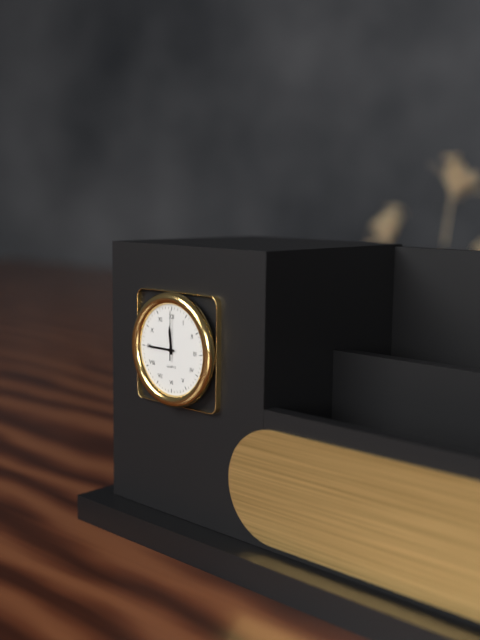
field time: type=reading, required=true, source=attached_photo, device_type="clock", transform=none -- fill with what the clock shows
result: 11:45
